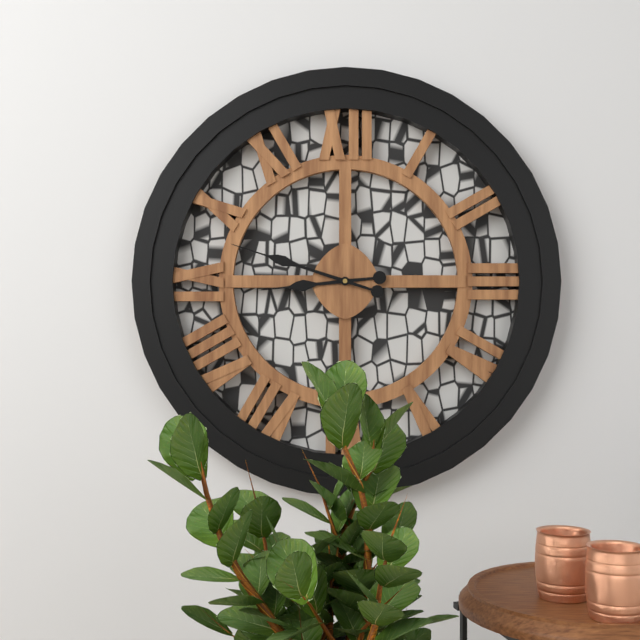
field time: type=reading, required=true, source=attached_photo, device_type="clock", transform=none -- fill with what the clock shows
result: 8:48
